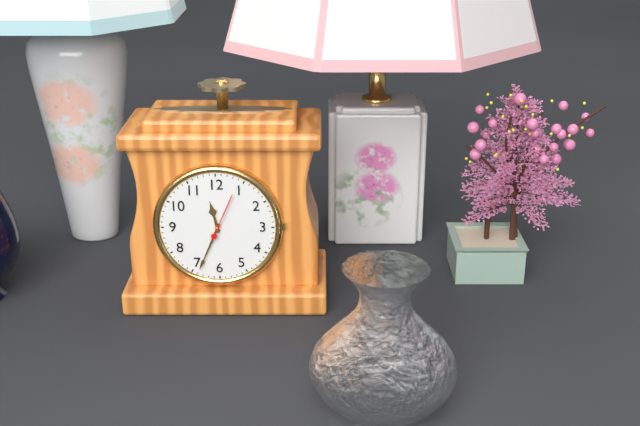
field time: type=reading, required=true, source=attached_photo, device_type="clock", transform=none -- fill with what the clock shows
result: 11:34
